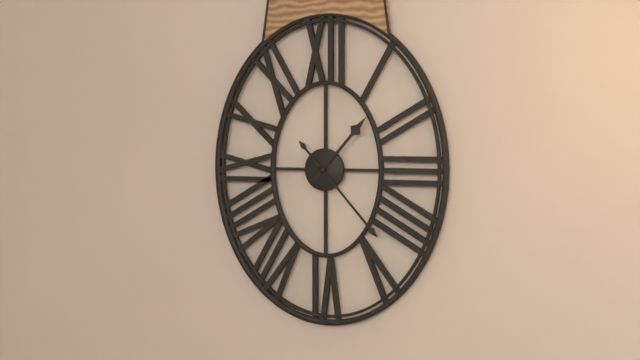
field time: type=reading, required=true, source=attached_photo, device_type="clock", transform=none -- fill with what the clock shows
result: 1:23
